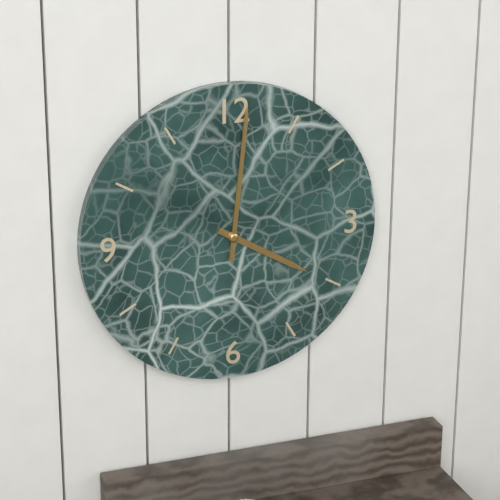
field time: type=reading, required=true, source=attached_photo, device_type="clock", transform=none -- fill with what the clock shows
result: 4:01
